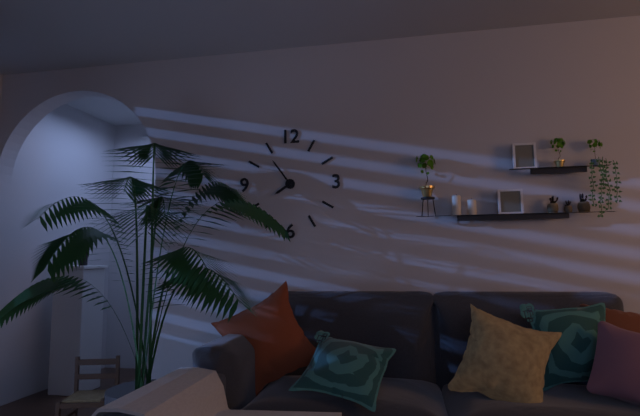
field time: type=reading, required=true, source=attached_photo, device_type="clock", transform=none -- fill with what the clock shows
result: 7:54
